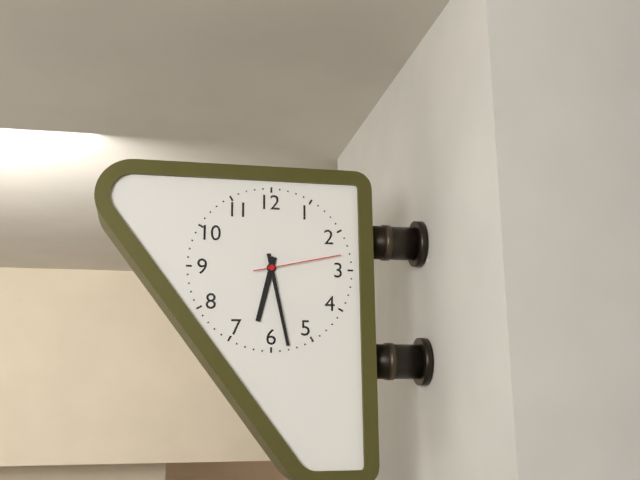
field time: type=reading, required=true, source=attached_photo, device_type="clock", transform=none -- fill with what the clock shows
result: 6:28:13
